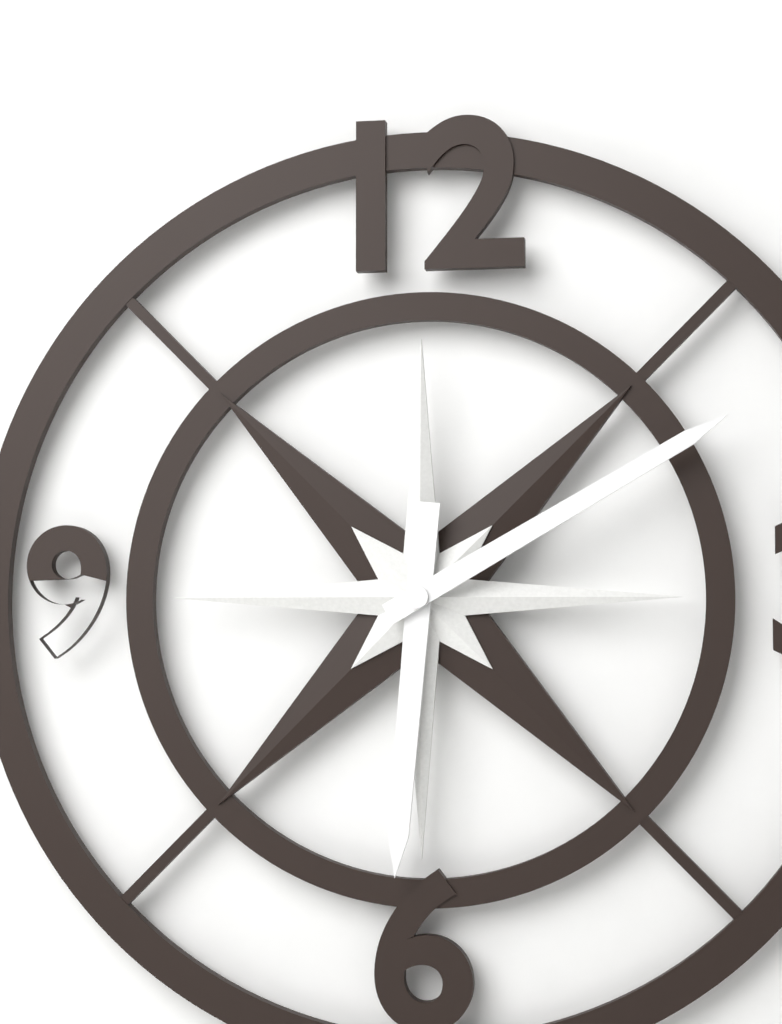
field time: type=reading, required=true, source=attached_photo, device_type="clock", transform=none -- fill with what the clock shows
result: 6:10
